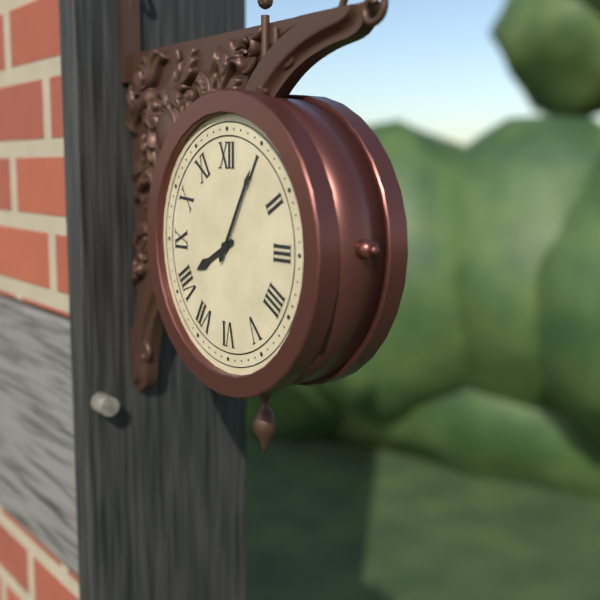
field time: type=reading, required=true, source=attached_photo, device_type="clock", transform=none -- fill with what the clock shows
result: 8:05
